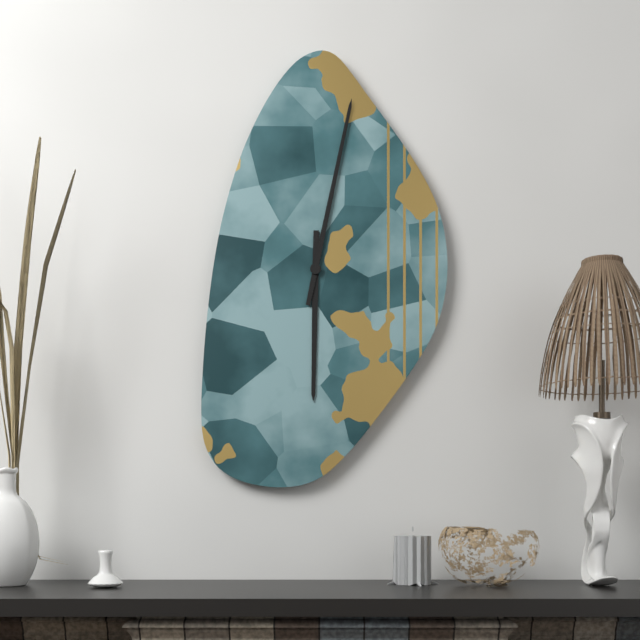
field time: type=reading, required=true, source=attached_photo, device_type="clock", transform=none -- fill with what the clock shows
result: 6:02
